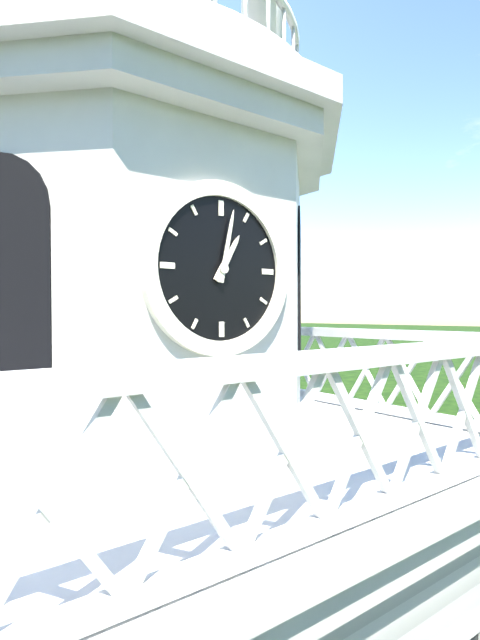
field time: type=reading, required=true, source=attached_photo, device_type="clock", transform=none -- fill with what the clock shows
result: 1:02
